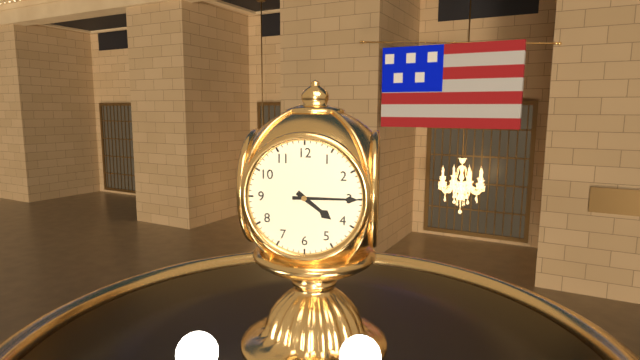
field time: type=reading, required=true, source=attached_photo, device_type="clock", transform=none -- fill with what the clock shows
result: 4:15
